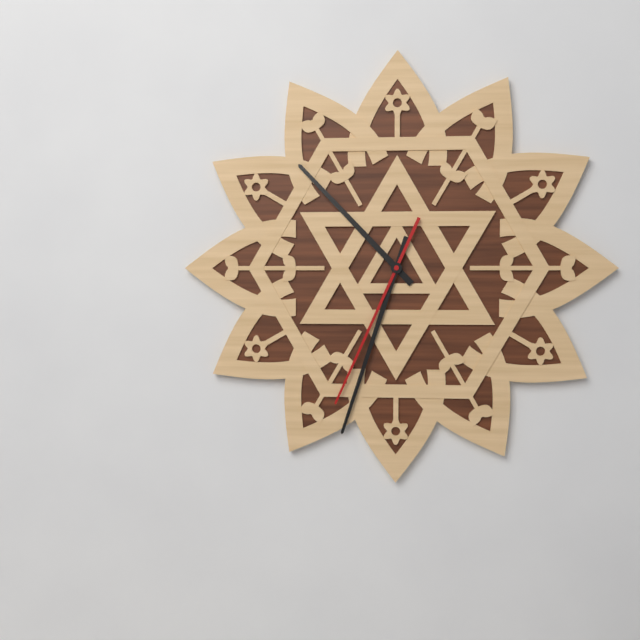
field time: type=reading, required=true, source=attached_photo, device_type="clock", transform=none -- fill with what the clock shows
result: 10:33:34
